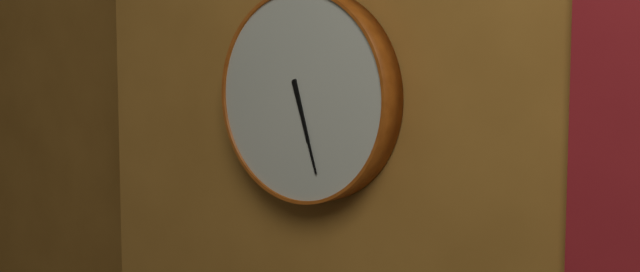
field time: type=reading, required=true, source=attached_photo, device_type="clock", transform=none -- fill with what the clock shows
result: 5:27
